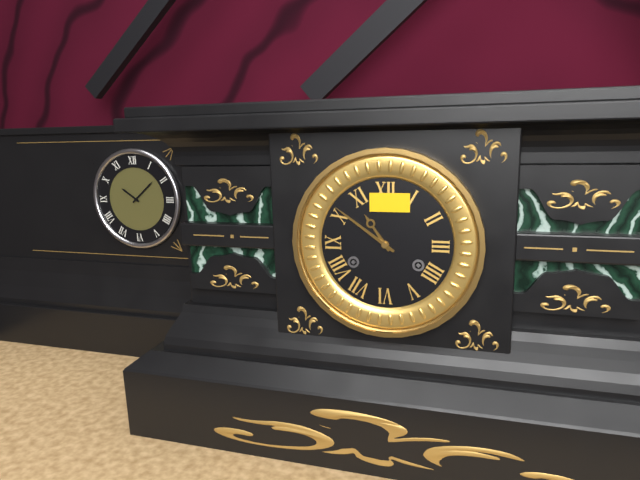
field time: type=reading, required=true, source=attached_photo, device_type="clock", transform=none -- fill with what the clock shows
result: 10:51
